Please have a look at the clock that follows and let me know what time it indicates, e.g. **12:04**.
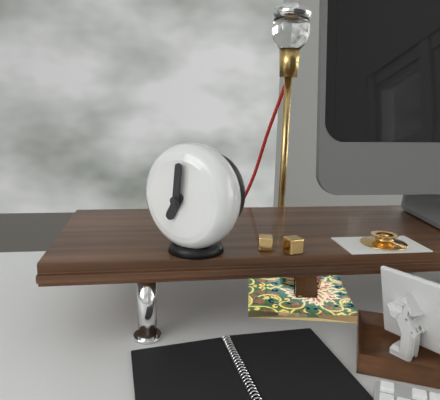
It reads **7:01**
